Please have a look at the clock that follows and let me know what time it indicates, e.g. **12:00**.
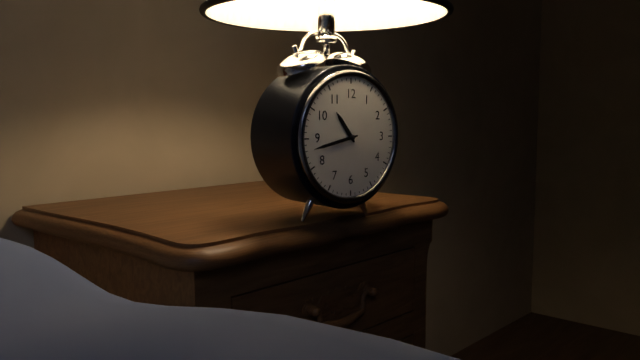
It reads **10:43**
